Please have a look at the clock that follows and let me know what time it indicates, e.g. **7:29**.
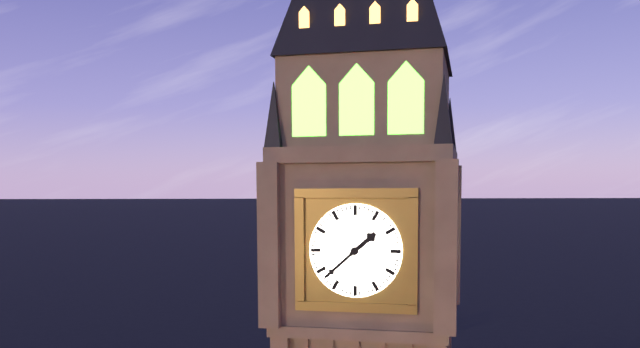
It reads **1:38**
